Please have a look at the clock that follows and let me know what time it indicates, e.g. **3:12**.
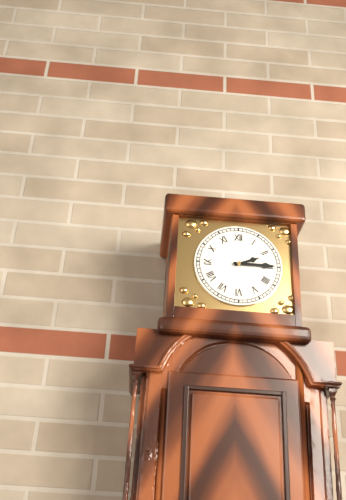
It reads **2:15**
